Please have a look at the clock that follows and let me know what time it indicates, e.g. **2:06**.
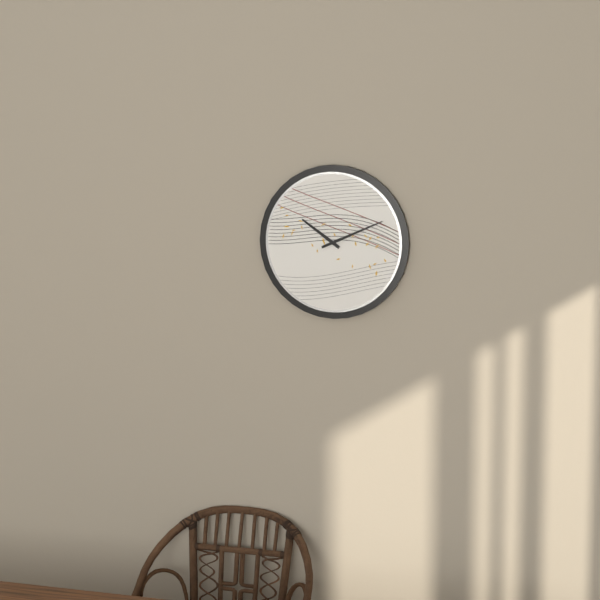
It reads **10:11**
